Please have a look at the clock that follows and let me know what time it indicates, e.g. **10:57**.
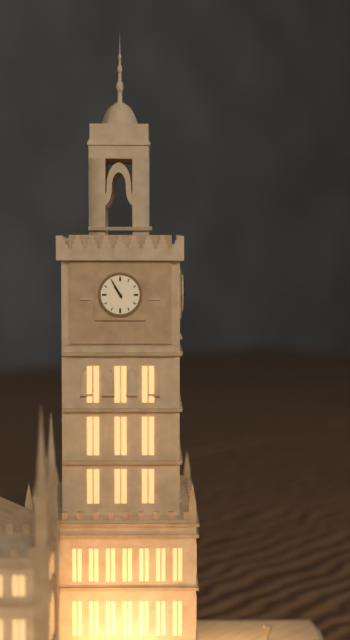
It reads **10:55**
